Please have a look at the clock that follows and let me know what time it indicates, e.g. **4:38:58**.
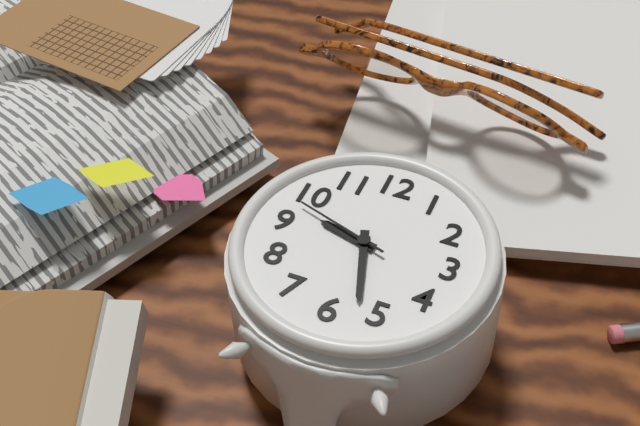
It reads **9:27:48**
